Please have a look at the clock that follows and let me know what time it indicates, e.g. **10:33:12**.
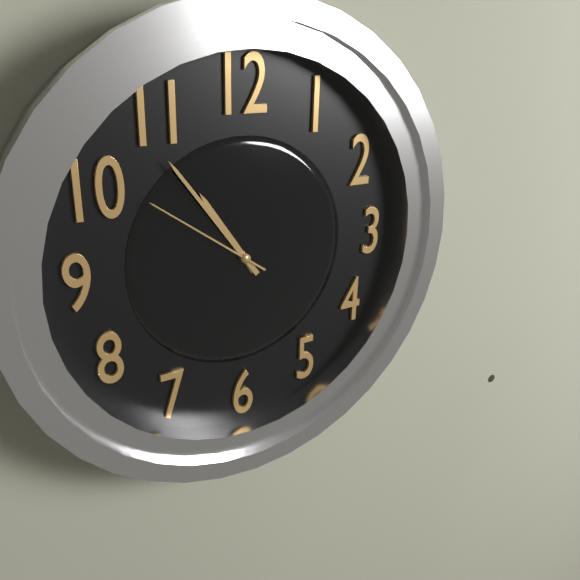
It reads **10:54:51**
